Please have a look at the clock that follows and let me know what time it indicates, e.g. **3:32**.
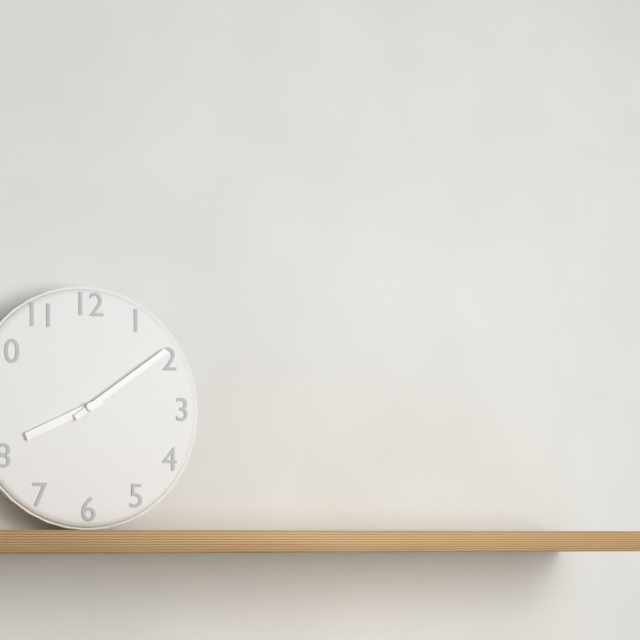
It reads **8:09**
